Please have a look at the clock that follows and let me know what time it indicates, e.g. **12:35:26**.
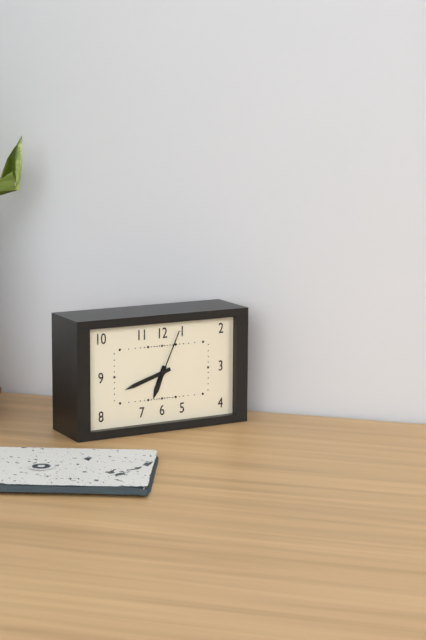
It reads **6:42:04**
